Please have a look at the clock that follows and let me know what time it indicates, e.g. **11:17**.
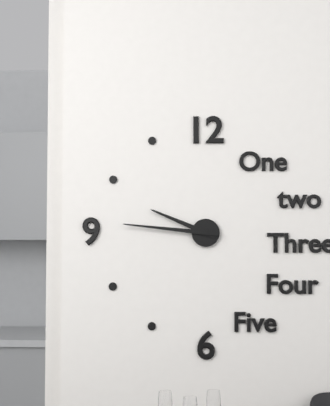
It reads **9:46**
